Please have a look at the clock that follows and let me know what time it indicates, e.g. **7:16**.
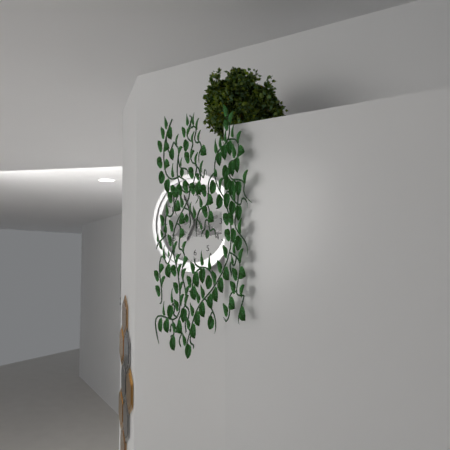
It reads **6:56**
